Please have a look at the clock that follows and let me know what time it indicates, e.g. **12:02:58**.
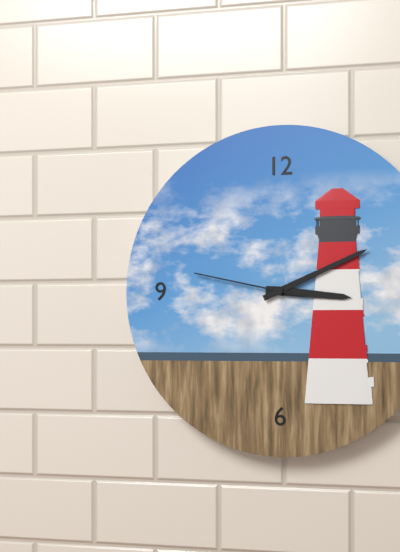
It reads **3:11:47**
